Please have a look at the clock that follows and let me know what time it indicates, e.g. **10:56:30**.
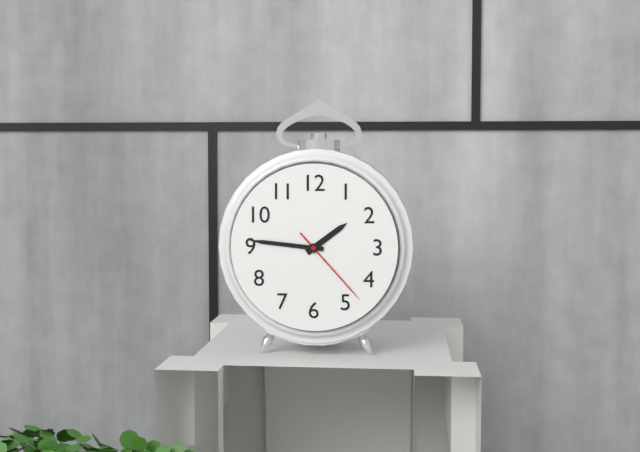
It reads **1:46:23**
